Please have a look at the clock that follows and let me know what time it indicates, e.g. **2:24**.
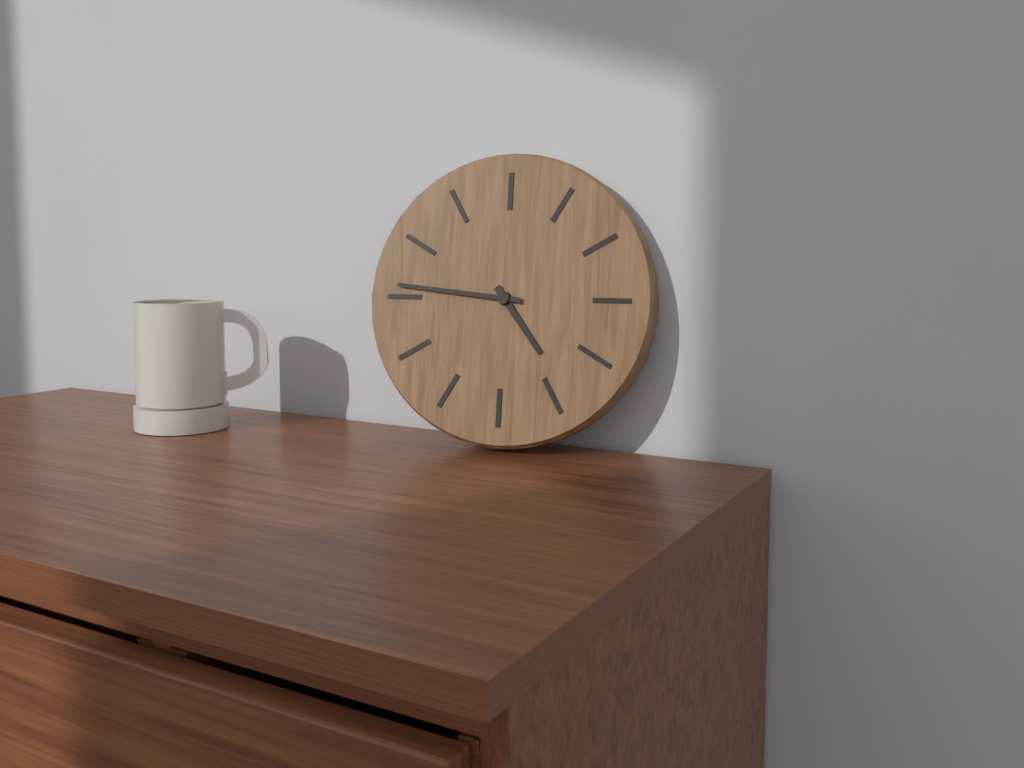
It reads **4:46**
